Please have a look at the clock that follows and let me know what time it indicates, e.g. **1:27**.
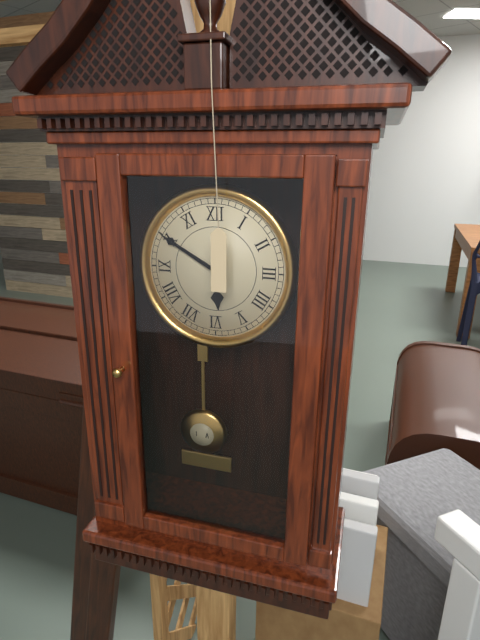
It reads **5:50**
